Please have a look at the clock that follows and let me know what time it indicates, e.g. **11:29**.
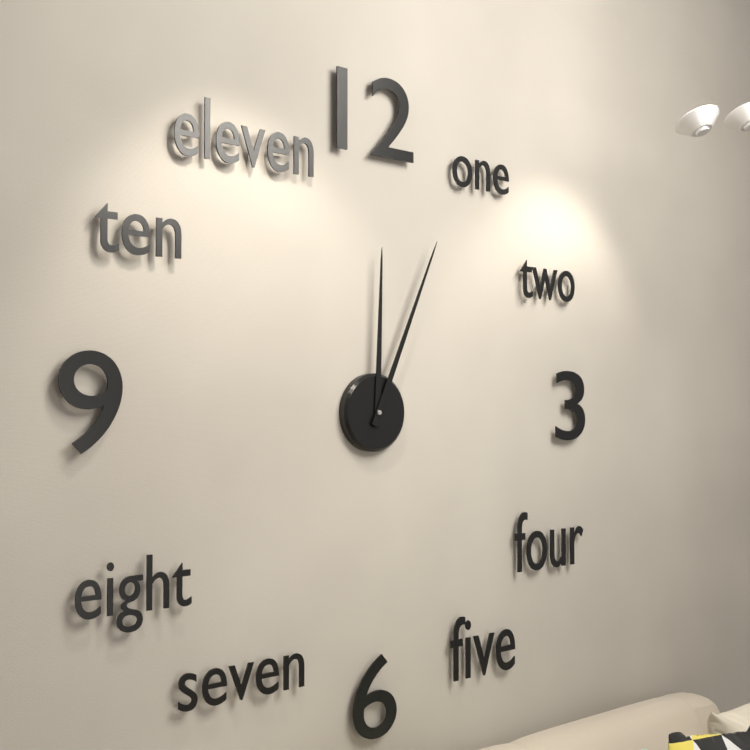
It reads **12:04**
